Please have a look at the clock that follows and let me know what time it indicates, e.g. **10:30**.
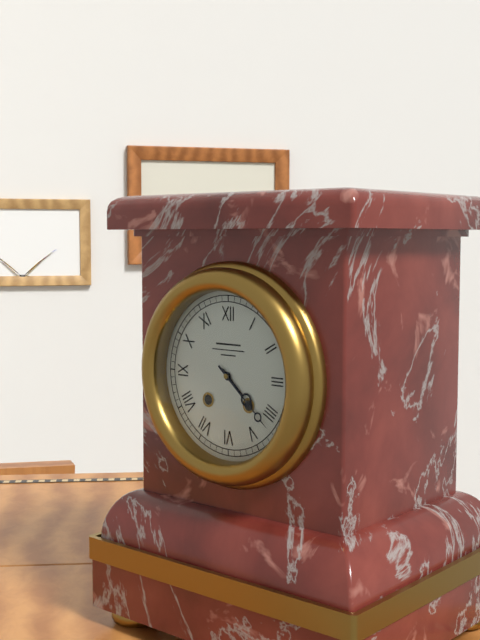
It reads **4:22**
